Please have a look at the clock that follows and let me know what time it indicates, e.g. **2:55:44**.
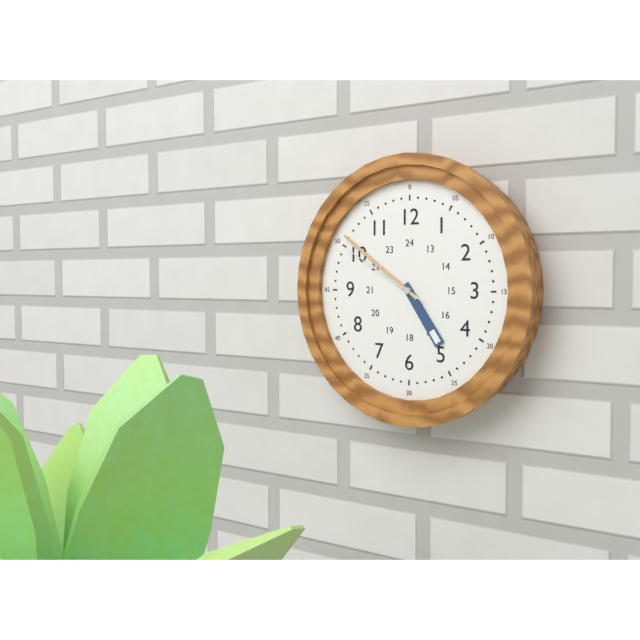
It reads **4:51:50**
